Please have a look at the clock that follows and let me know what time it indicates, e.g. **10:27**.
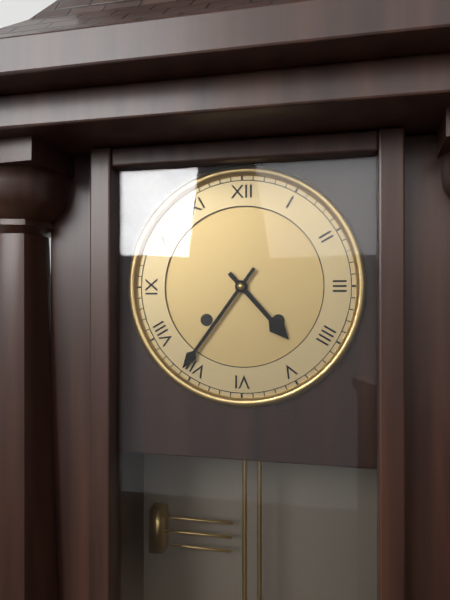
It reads **4:36**
